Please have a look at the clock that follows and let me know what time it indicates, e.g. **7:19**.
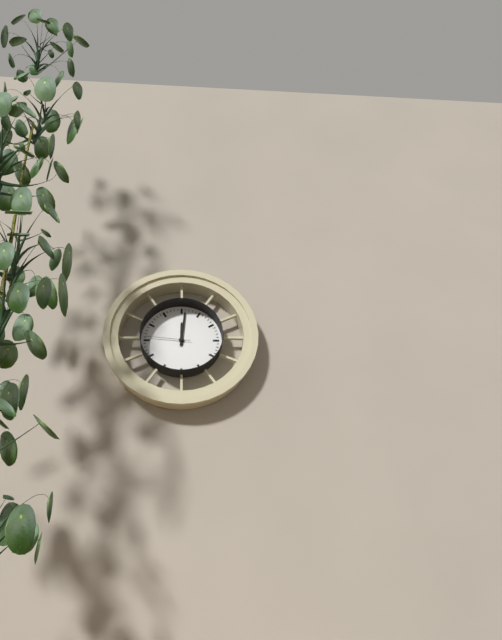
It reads **12:01**
